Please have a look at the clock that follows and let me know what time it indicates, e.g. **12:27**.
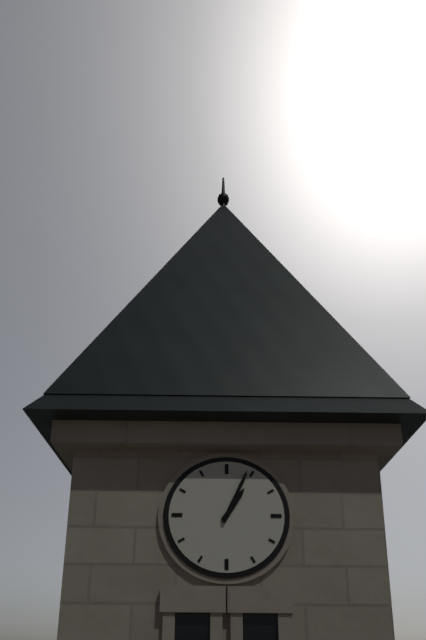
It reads **1:04**
